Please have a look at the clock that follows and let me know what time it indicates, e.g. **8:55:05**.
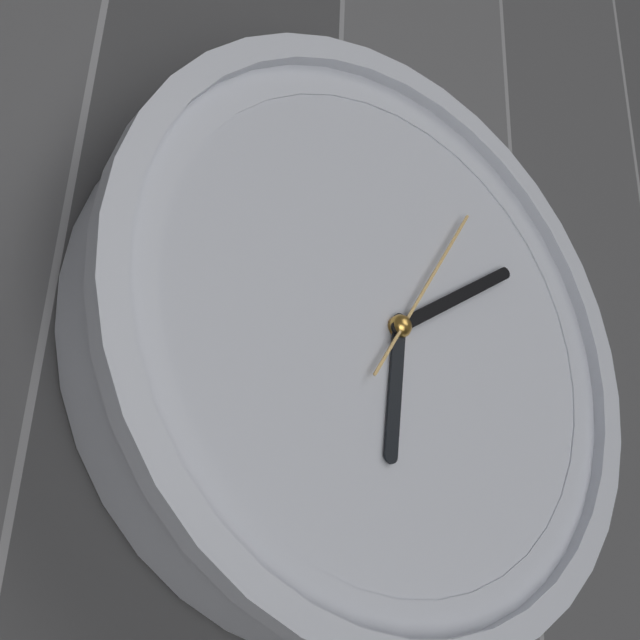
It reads **6:09:05**
